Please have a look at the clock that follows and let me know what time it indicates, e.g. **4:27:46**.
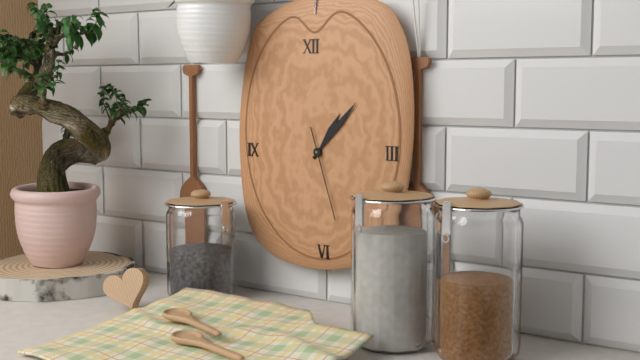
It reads **1:07:27**
